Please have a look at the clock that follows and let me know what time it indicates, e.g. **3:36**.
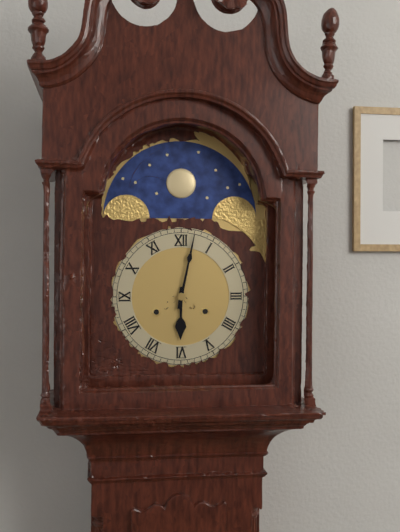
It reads **6:02**
